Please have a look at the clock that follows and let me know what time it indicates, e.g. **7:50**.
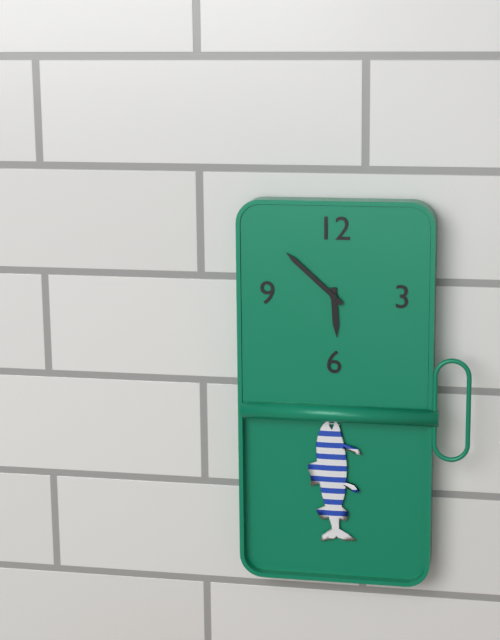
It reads **5:52**
